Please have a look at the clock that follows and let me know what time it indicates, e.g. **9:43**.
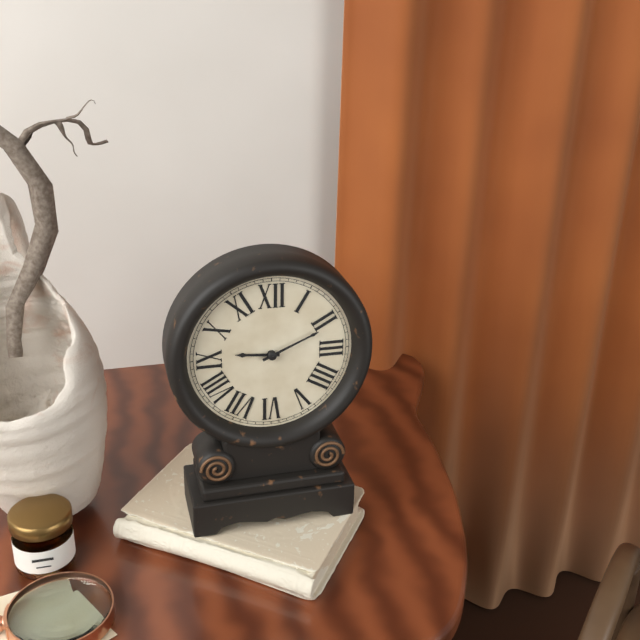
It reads **9:11**
